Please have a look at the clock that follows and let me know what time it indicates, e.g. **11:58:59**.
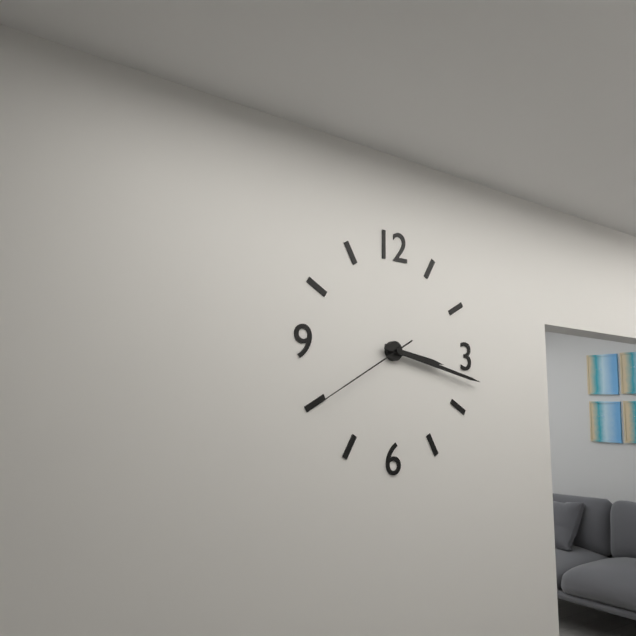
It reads **3:17:40**
